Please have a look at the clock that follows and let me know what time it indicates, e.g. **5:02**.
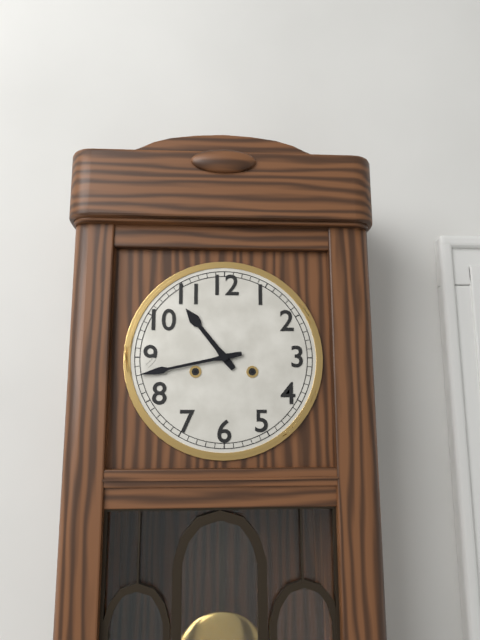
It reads **10:43**
